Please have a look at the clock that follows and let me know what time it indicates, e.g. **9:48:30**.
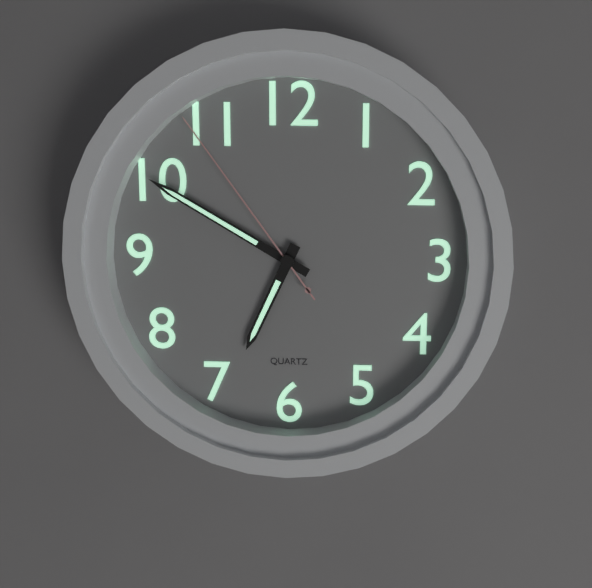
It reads **6:50:54**
